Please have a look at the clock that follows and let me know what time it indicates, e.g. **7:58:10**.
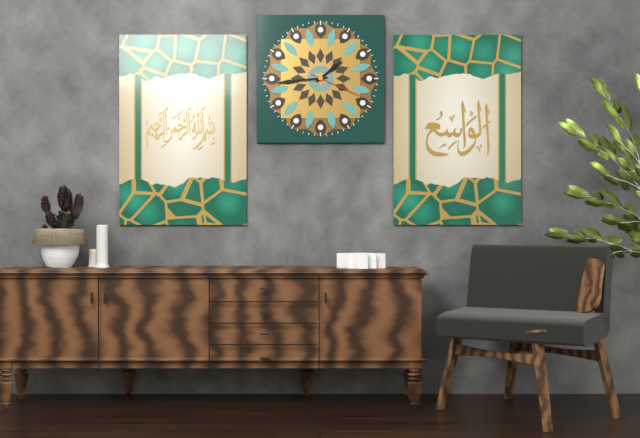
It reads **1:44:19**
